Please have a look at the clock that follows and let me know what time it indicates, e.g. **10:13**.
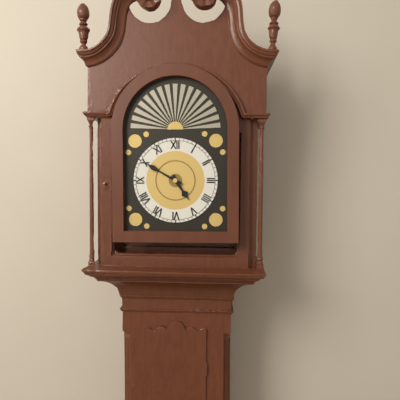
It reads **4:50**
